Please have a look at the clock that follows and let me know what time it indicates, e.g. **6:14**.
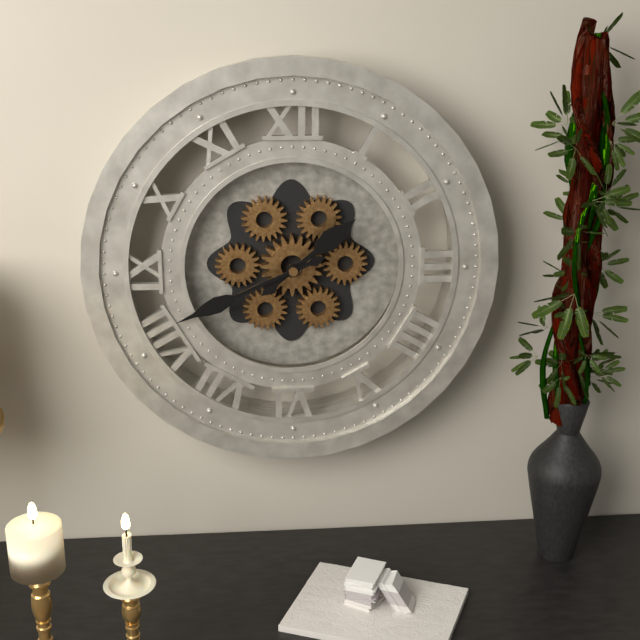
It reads **1:41**
